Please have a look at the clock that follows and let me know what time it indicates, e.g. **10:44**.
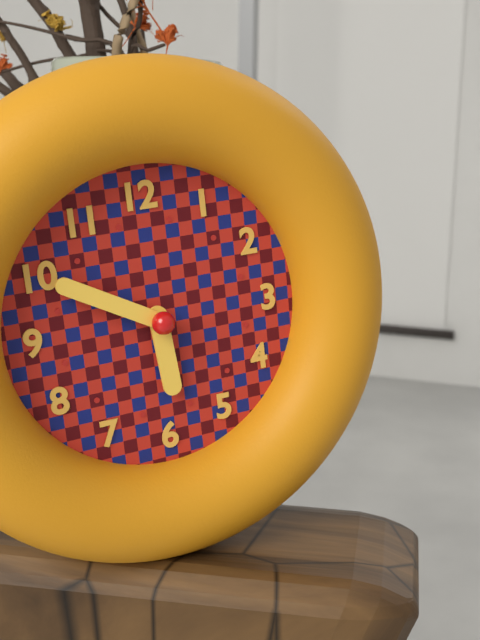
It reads **5:50**
